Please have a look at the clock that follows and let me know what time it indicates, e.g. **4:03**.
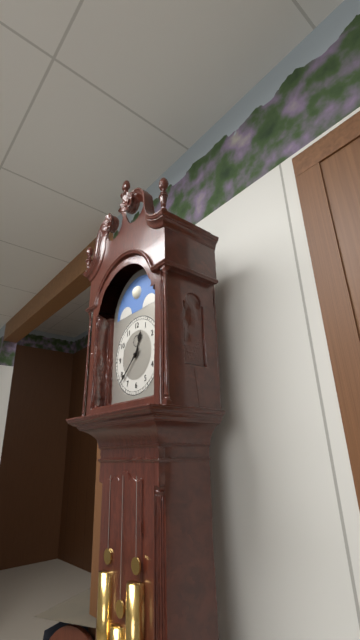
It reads **12:38**
